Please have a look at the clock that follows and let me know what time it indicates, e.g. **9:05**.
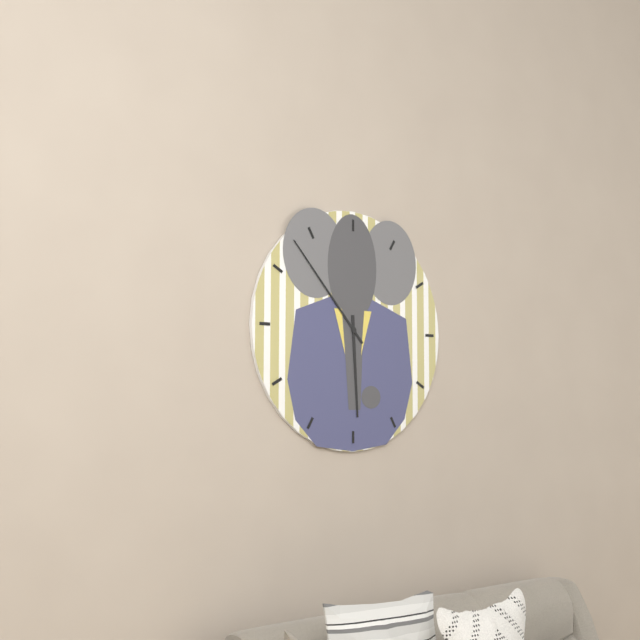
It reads **5:53**
